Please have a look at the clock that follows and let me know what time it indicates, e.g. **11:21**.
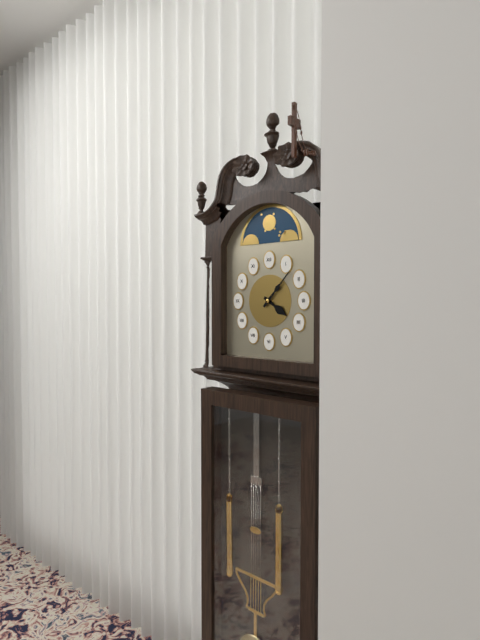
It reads **4:07**
